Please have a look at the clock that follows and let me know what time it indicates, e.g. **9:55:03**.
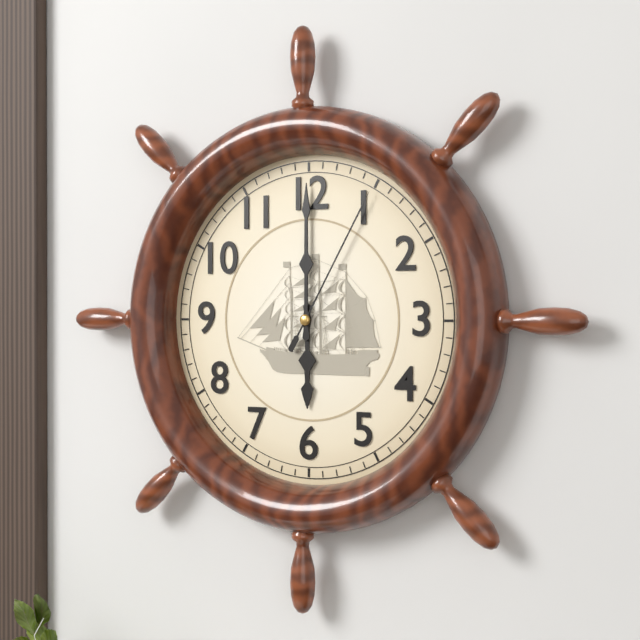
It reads **6:00:05**
